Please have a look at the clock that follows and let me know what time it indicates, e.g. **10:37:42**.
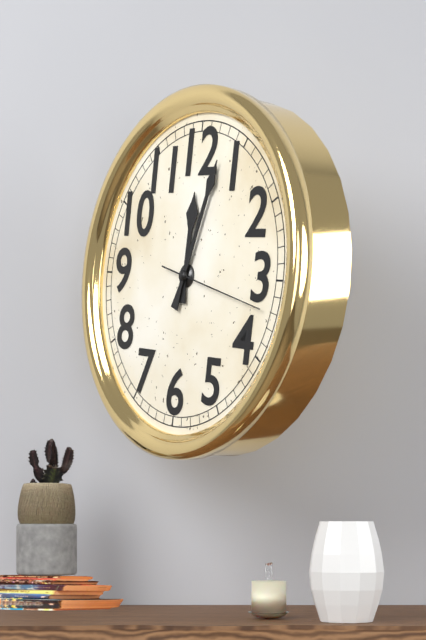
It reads **12:03:17**
